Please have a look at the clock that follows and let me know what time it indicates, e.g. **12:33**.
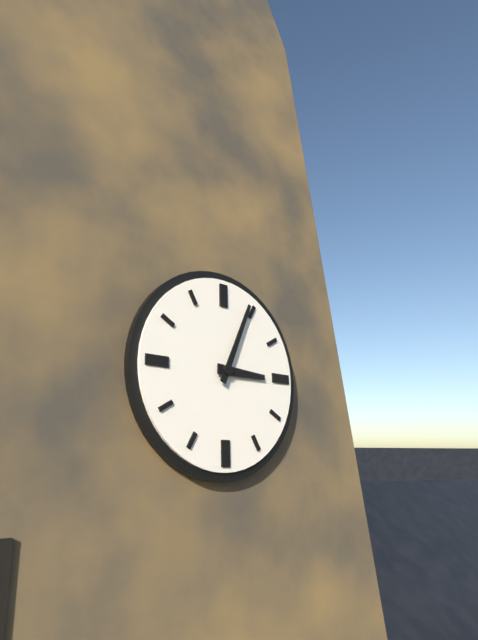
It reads **3:04**
